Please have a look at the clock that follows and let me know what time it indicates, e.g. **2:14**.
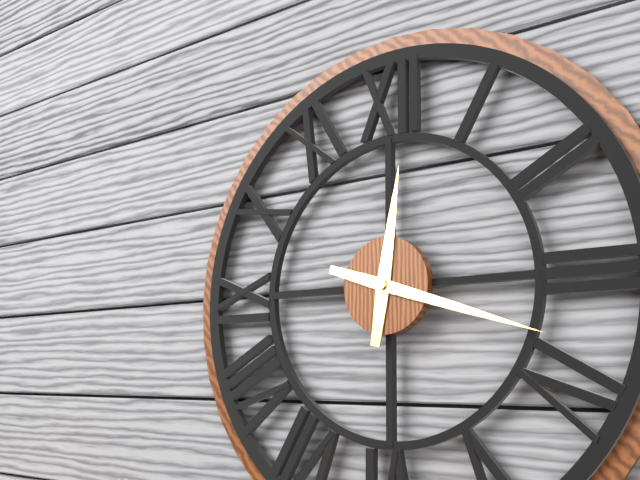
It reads **12:18**
